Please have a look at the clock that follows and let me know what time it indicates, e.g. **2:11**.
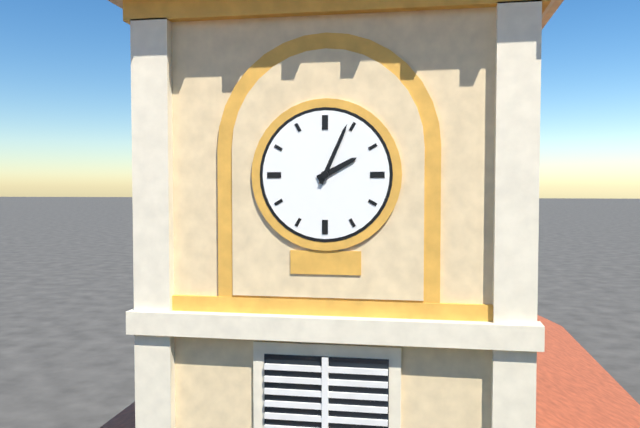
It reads **2:04**
